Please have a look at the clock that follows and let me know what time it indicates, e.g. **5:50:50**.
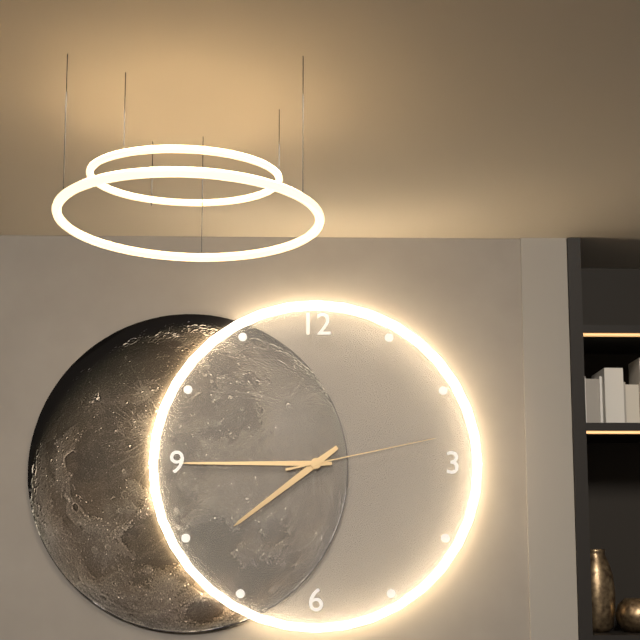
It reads **7:45:13**
